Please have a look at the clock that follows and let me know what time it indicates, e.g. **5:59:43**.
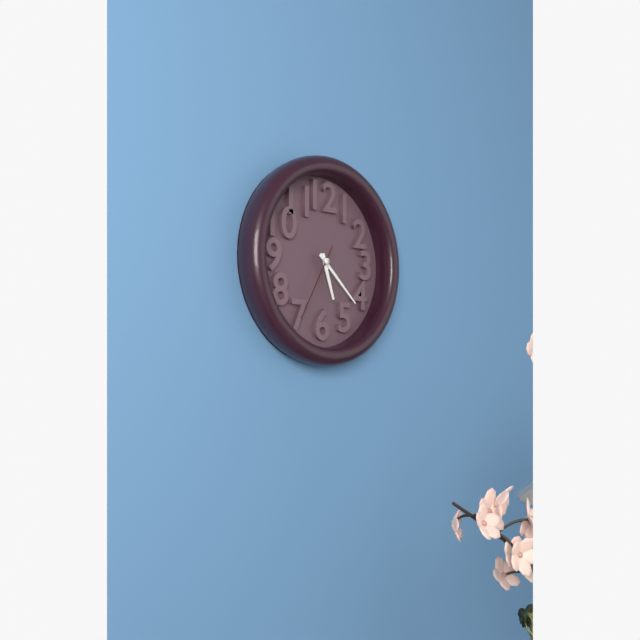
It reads **5:22:35**
